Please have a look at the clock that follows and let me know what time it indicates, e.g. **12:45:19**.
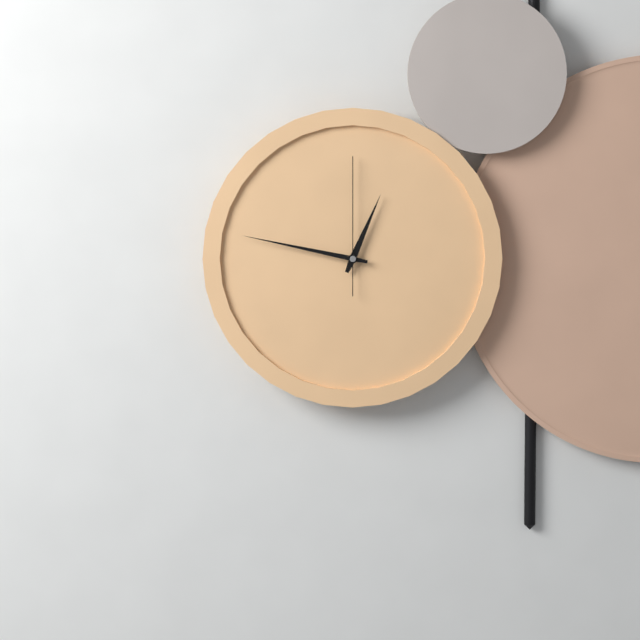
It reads **12:47:00**
